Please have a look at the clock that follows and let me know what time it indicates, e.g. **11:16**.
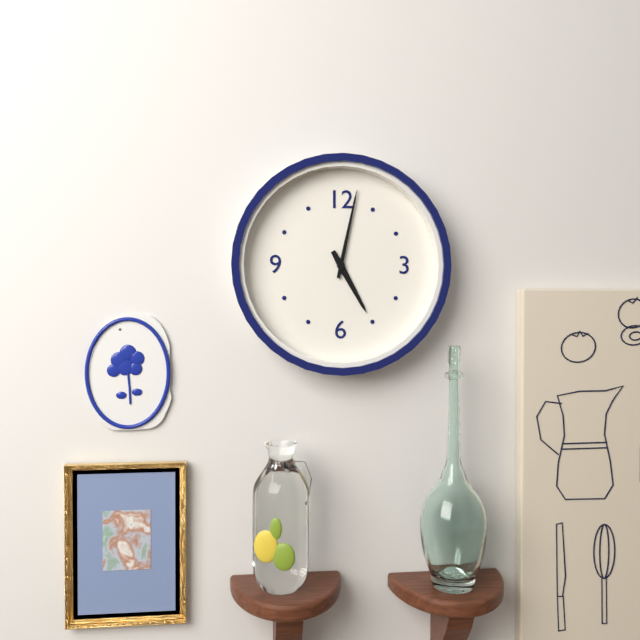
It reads **5:02**
